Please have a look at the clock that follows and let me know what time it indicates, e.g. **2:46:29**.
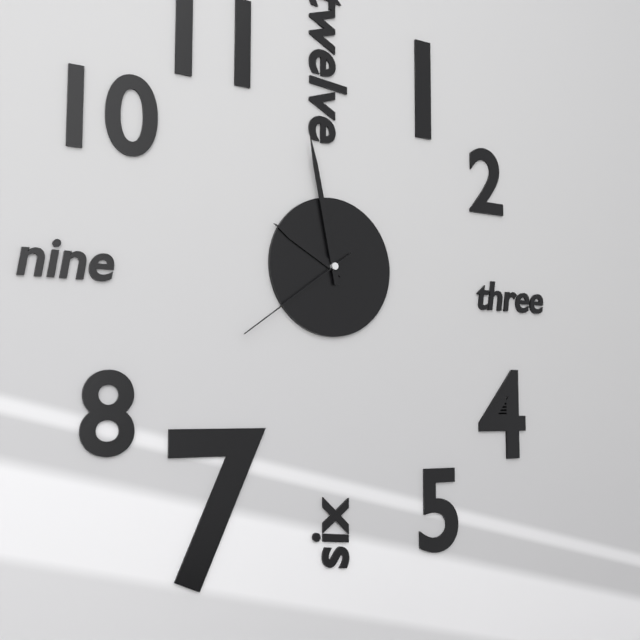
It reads **9:58:39**
